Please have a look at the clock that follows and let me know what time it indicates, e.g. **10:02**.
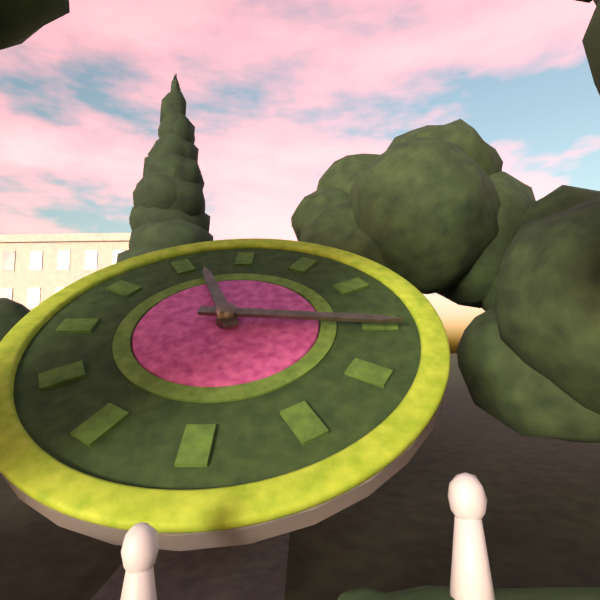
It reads **11:16**
